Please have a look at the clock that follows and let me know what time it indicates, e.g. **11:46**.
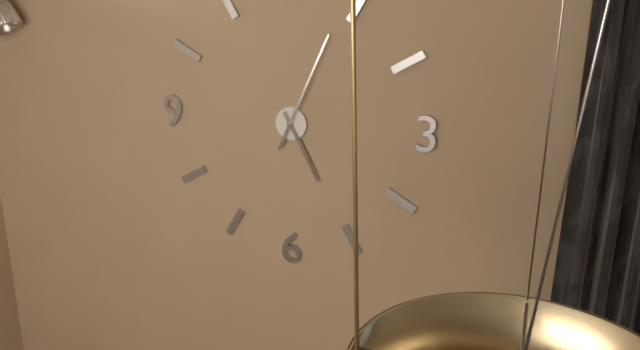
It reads **5:04**
